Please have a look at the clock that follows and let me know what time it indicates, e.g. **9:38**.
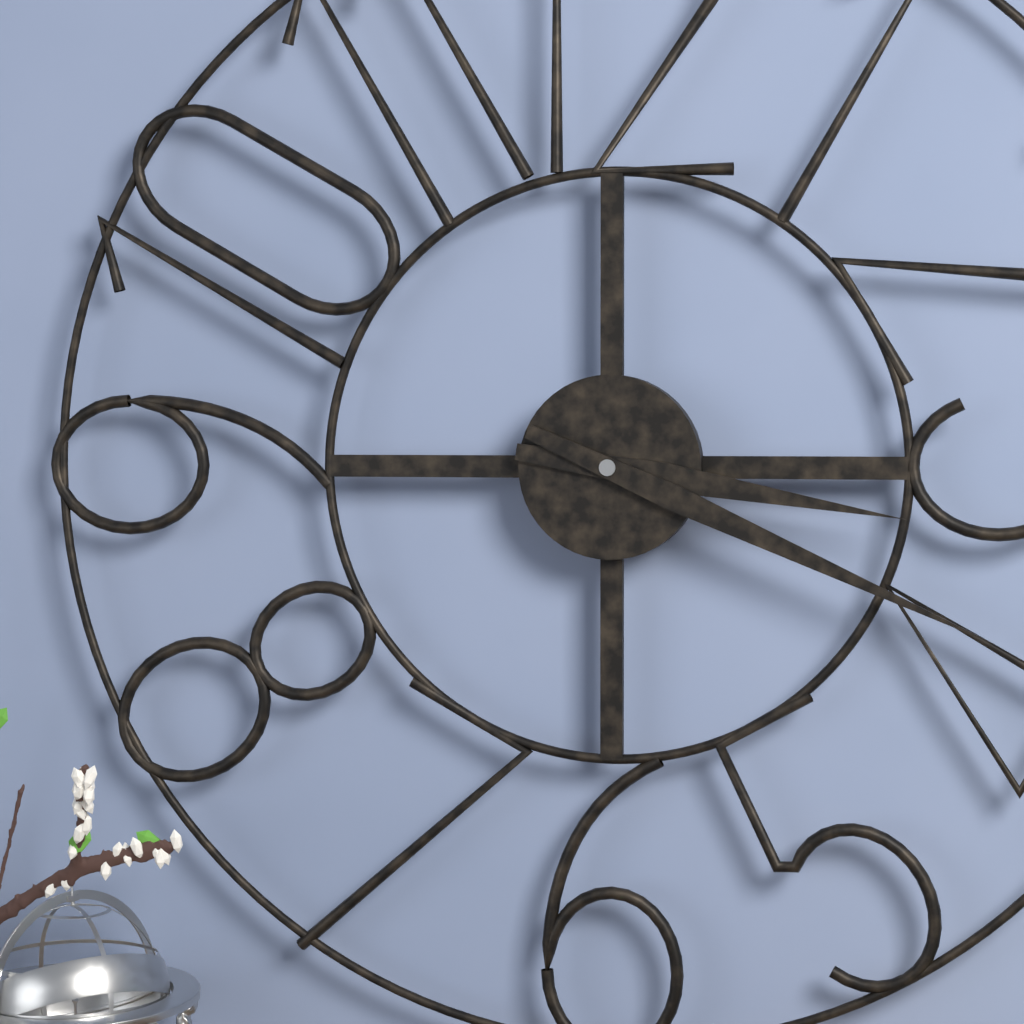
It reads **3:19**
